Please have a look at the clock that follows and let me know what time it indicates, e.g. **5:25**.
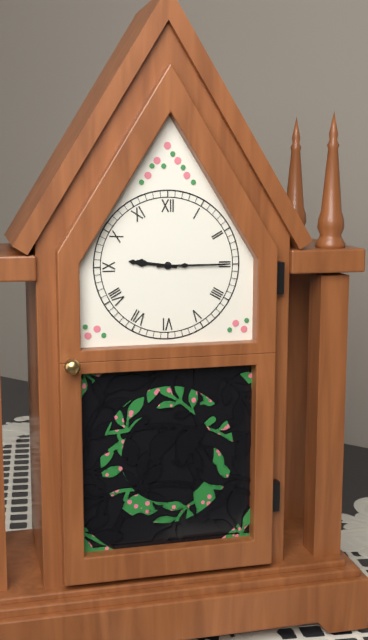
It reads **9:15**
